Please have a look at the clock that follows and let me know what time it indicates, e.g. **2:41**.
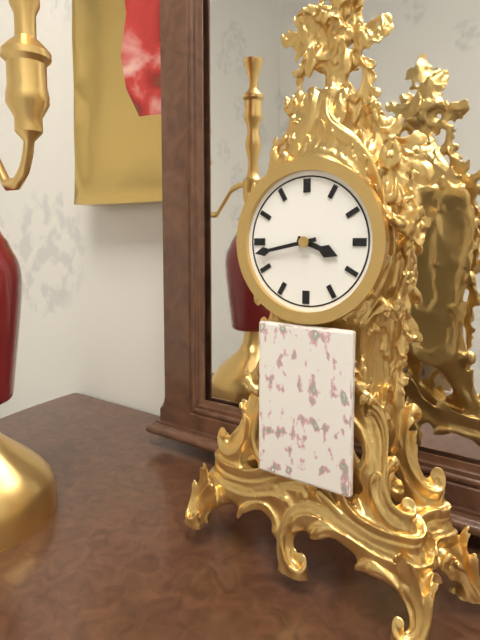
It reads **3:43**
